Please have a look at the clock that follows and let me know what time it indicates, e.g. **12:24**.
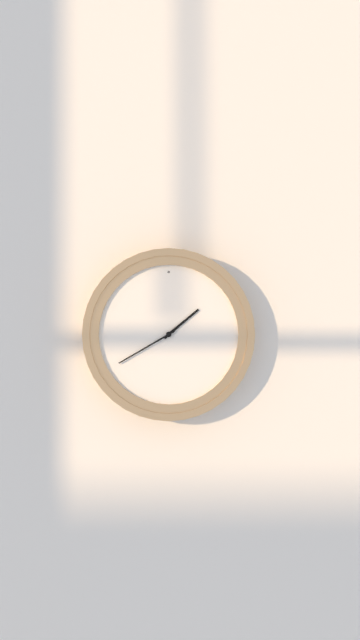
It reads **1:40**
